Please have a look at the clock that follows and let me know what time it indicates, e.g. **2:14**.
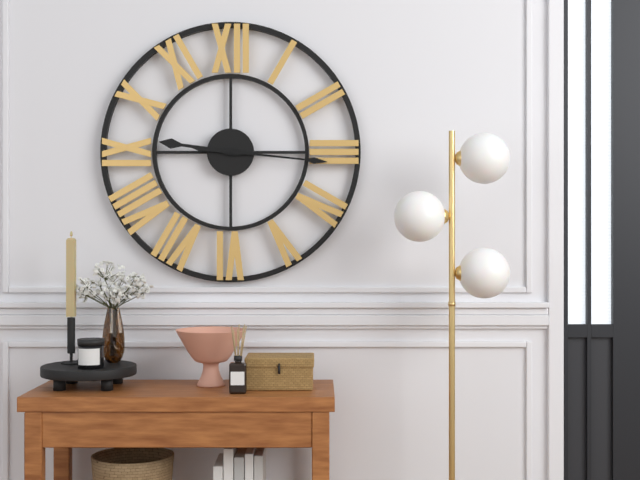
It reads **9:16**
